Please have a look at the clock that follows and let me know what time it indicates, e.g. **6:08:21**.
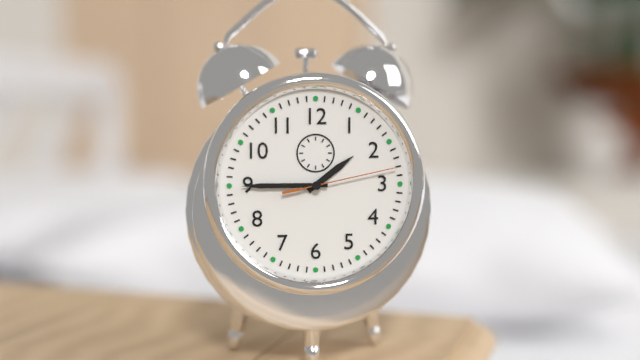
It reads **1:45:13**
